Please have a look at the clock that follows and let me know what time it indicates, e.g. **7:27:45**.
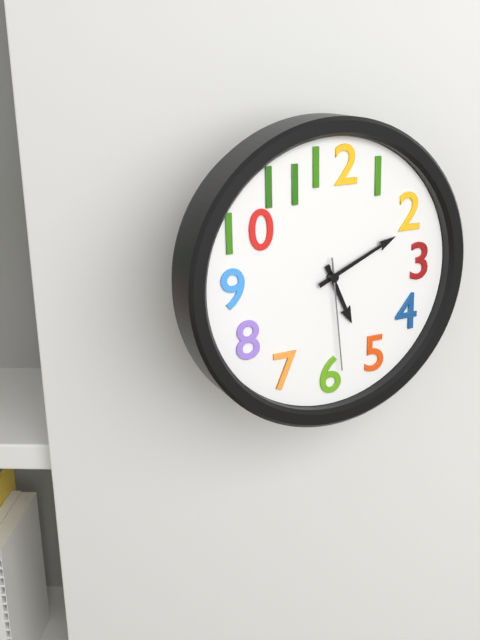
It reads **5:11:29**
